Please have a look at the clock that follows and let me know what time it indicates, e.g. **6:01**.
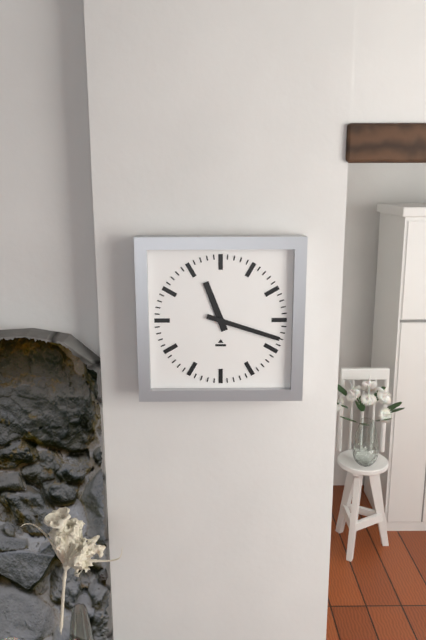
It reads **11:18**
